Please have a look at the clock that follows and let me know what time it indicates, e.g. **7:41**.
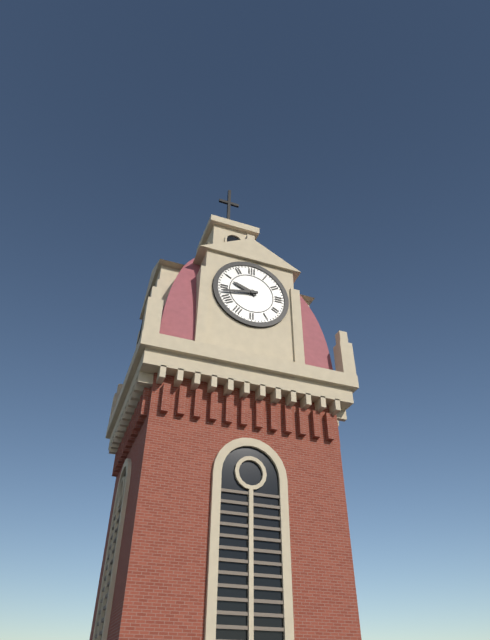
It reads **9:43**
